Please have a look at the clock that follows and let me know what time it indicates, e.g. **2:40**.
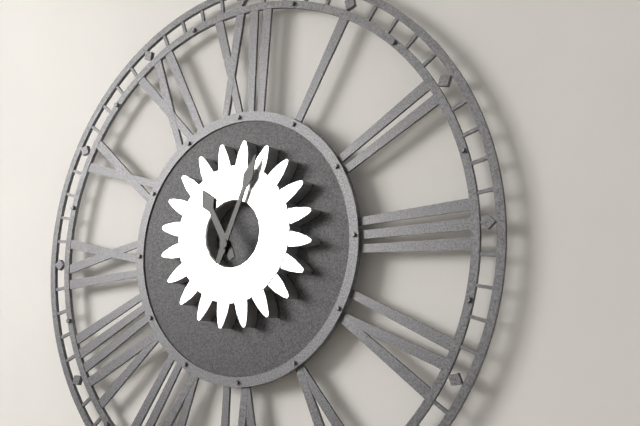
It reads **11:04**
